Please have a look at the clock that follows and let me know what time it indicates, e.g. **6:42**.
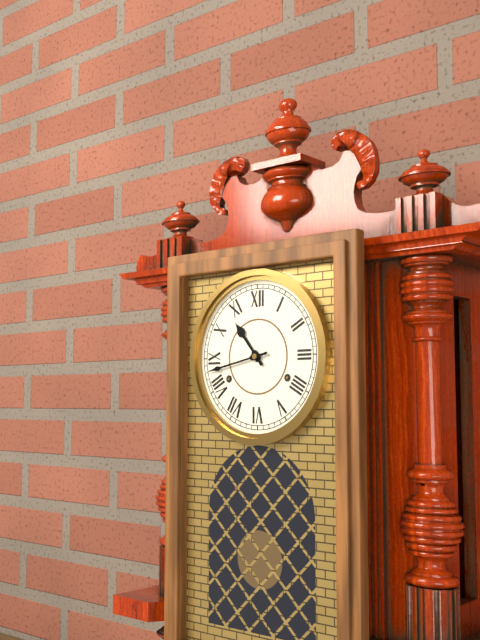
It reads **10:43**
